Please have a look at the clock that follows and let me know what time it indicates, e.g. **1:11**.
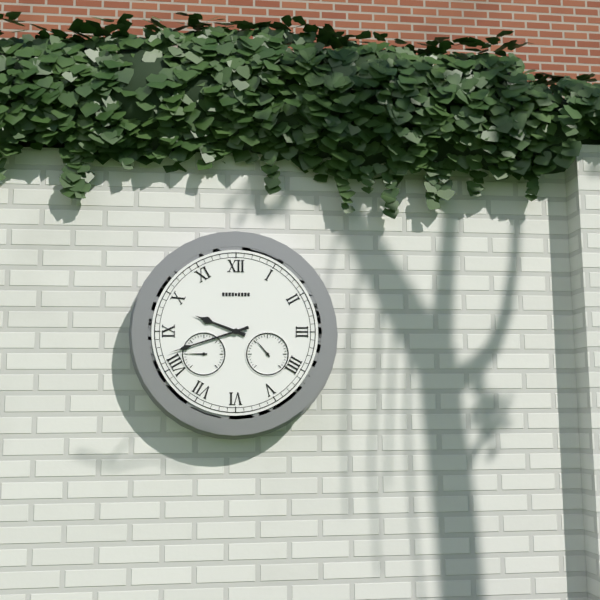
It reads **9:42**
